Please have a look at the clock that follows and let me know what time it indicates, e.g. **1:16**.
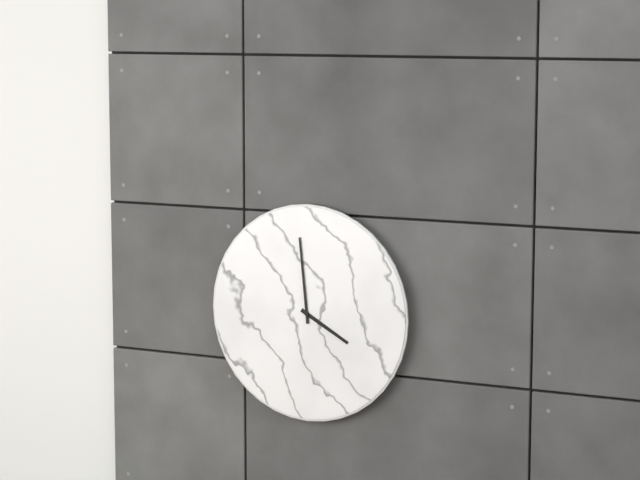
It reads **3:59**
